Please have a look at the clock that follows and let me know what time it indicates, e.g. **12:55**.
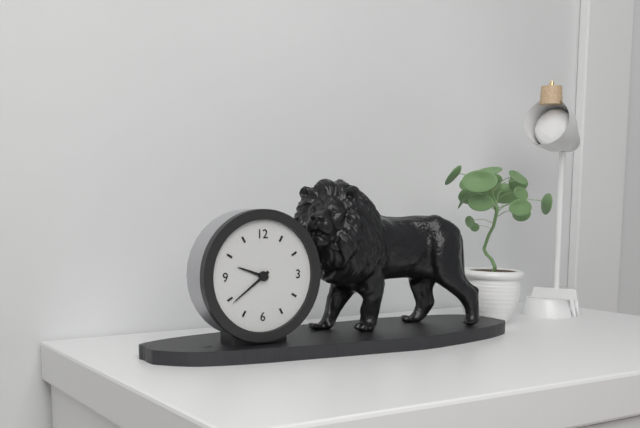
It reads **9:39**
